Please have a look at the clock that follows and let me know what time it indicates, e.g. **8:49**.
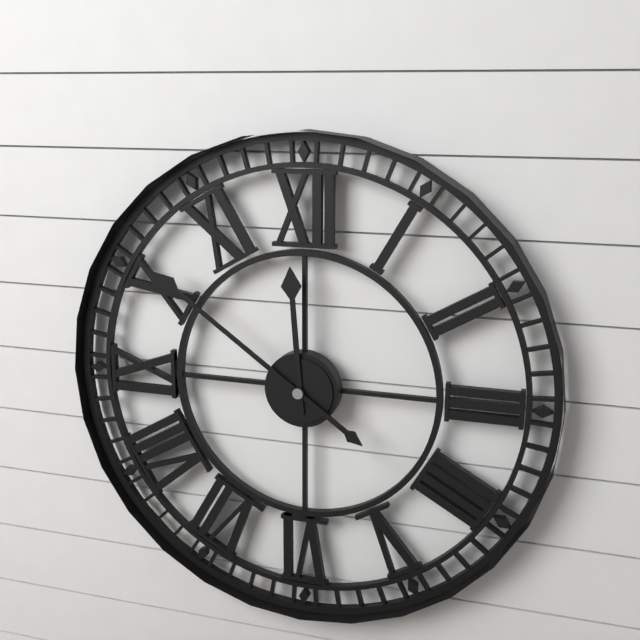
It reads **11:51**
